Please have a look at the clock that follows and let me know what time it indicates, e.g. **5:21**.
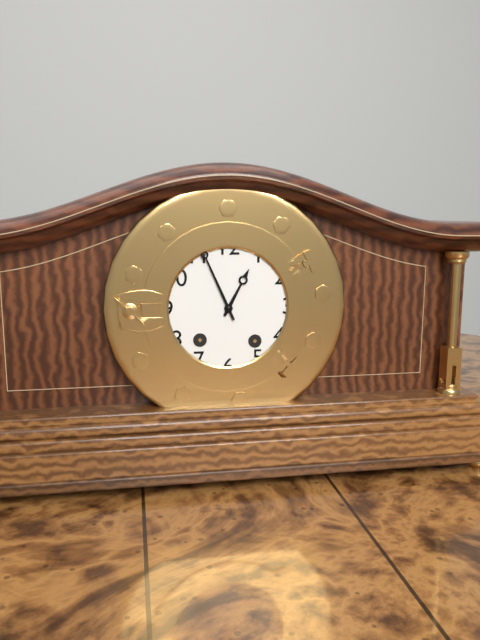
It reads **12:56**
